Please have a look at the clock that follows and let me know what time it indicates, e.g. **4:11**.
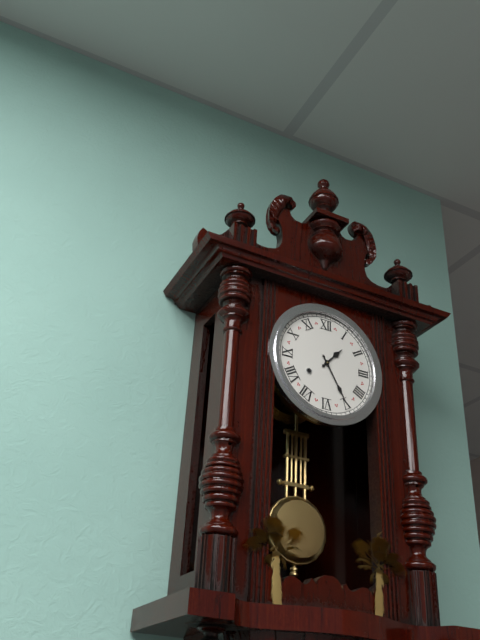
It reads **1:25**
